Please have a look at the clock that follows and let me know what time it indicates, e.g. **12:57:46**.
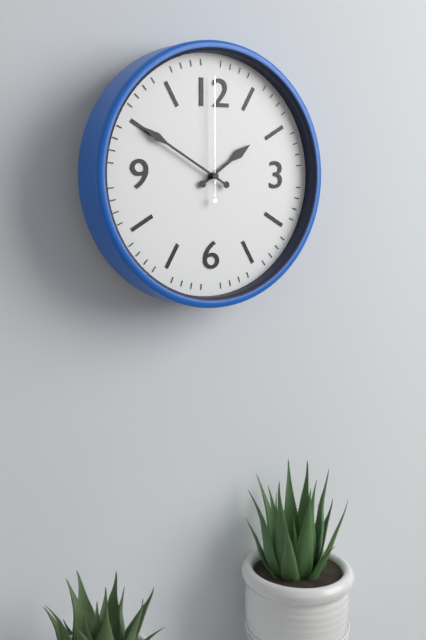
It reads **1:50:00**
